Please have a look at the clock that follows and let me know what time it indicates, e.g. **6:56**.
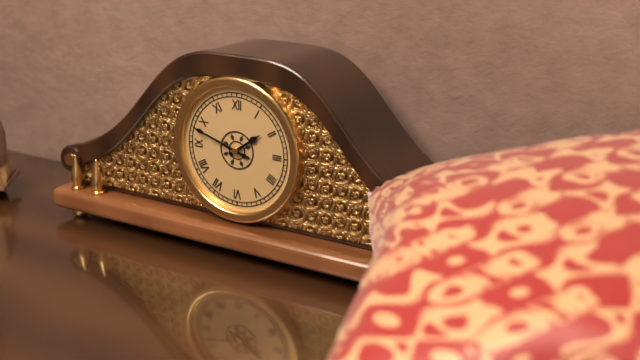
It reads **1:48**
